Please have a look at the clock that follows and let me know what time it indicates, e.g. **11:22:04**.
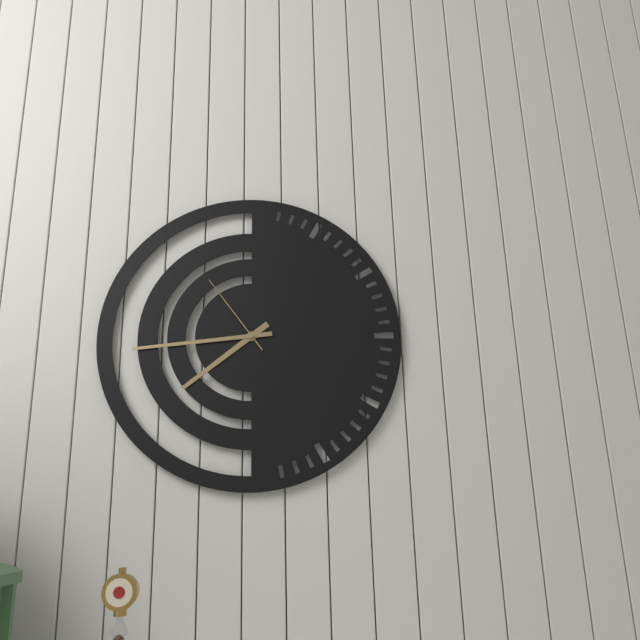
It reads **7:44:54**
